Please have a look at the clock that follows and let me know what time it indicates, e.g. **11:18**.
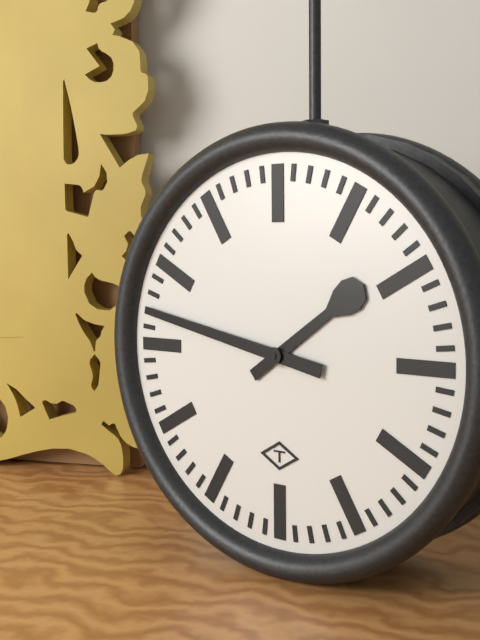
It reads **1:47**
